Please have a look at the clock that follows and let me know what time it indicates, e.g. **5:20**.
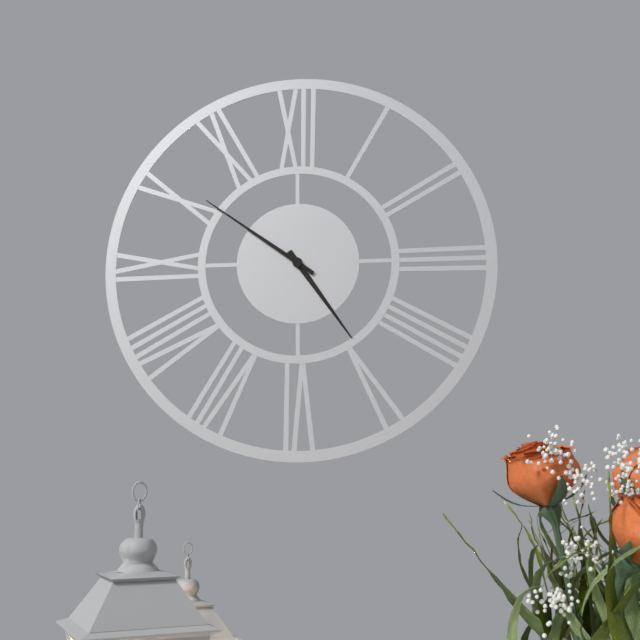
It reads **4:51**
